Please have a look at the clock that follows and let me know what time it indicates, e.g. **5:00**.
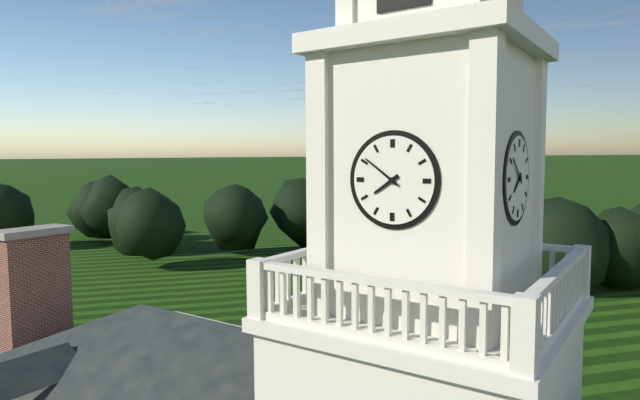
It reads **7:51**
